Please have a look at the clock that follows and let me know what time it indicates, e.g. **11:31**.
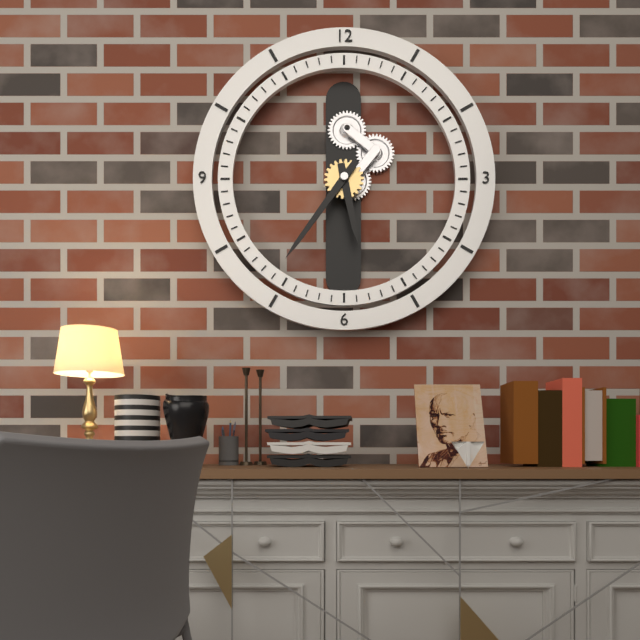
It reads **5:36**
